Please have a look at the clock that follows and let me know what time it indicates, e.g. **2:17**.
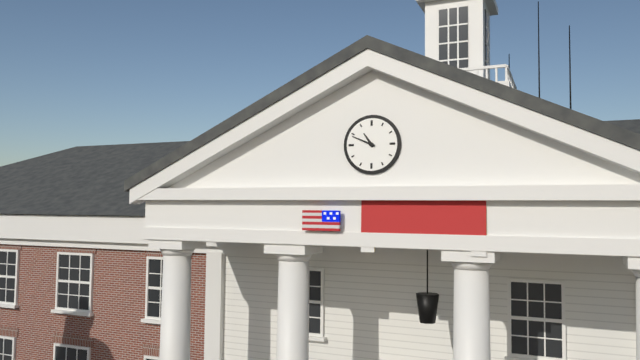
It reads **10:49**
